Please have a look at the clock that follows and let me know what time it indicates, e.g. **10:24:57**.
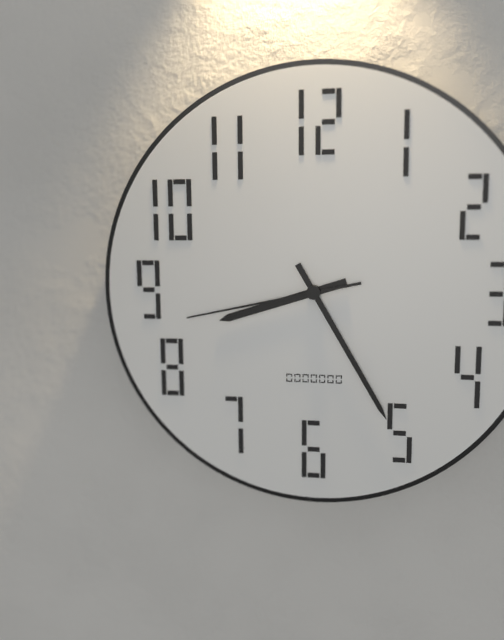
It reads **8:25:43**
